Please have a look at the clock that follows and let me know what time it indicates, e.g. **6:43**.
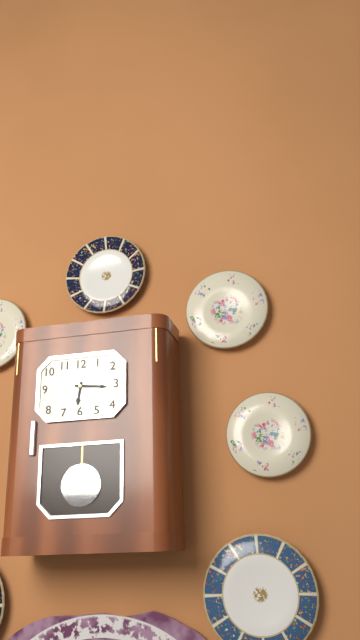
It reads **6:16**
